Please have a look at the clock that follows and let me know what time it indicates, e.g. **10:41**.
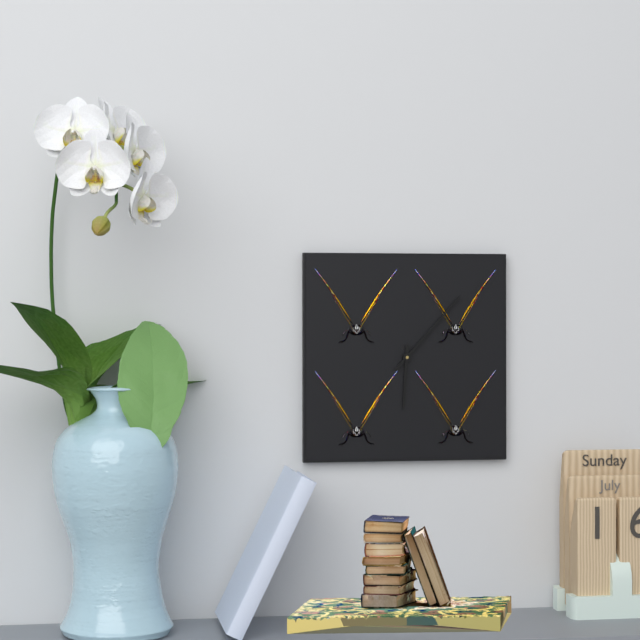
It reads **6:07**
